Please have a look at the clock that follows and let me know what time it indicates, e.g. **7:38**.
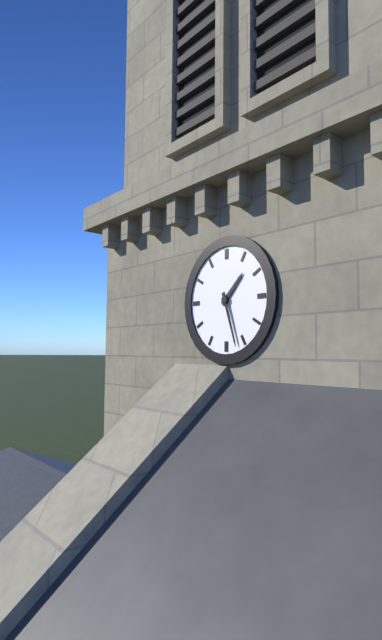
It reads **1:27**
